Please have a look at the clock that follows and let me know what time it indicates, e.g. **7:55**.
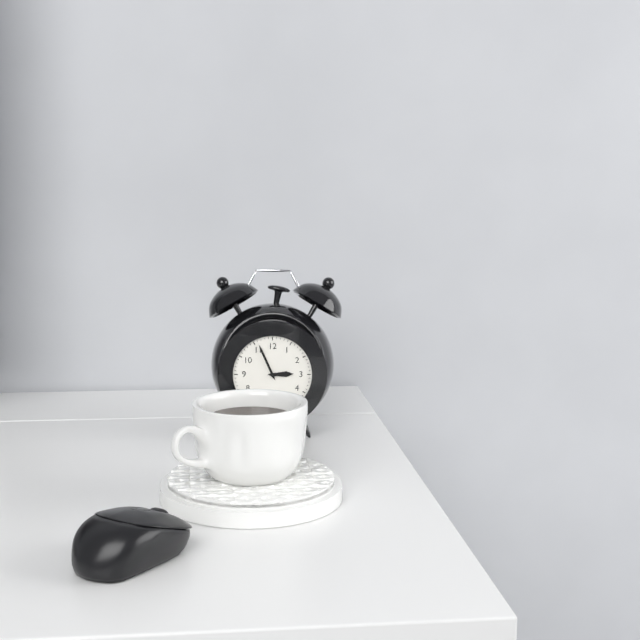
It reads **2:56**
